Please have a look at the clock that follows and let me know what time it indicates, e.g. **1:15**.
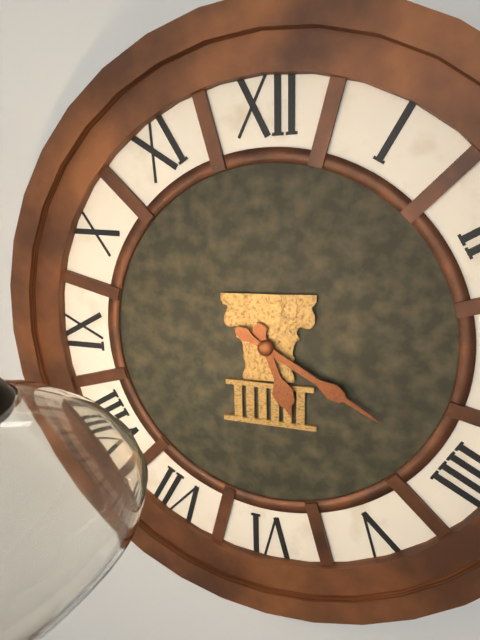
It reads **5:20**
